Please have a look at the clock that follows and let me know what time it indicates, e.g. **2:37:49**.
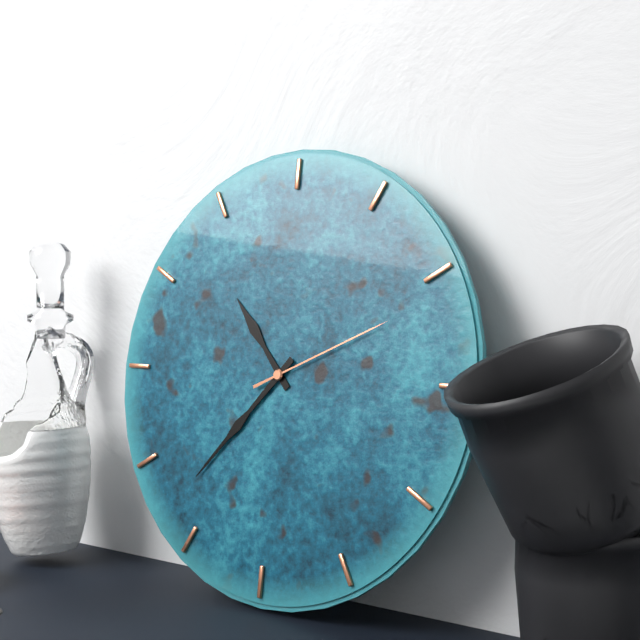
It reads **10:37:11**
